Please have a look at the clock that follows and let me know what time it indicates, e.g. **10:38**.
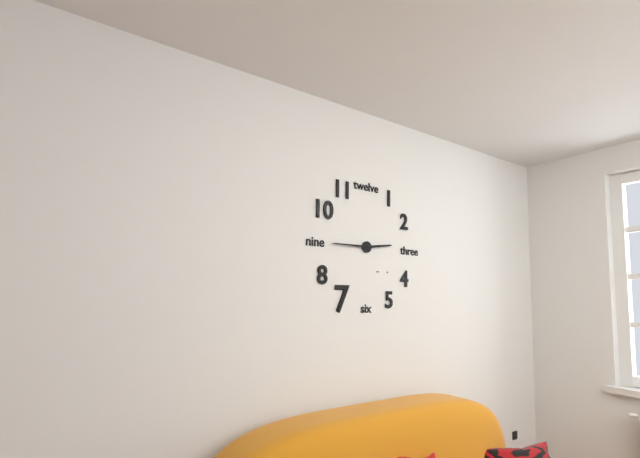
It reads **2:45**
